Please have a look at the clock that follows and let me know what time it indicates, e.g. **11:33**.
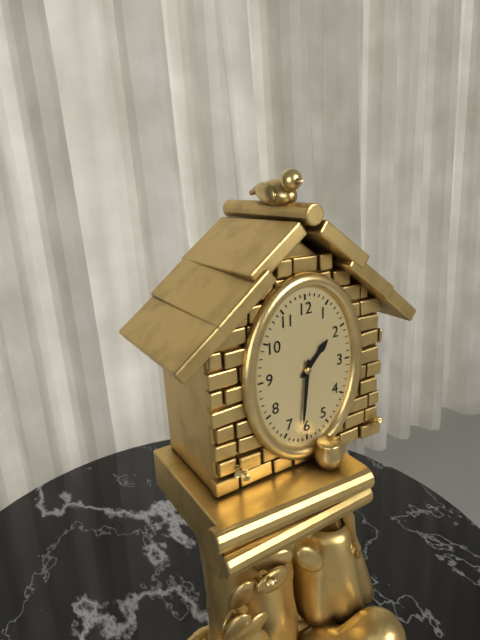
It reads **1:31**
